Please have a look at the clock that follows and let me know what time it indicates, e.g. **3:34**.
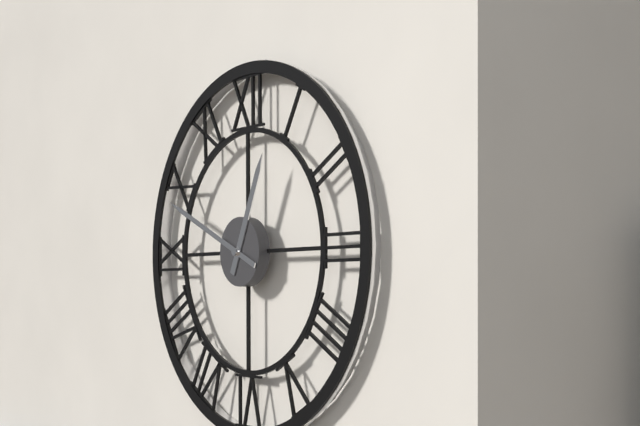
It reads **12:49**
